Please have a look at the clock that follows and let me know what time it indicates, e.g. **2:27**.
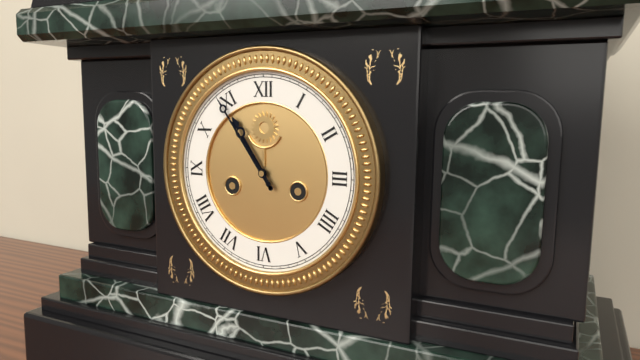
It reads **10:54**
